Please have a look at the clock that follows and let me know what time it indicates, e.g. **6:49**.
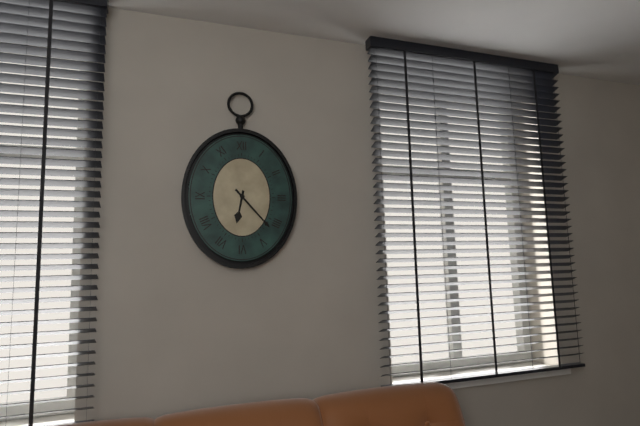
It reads **6:23**
